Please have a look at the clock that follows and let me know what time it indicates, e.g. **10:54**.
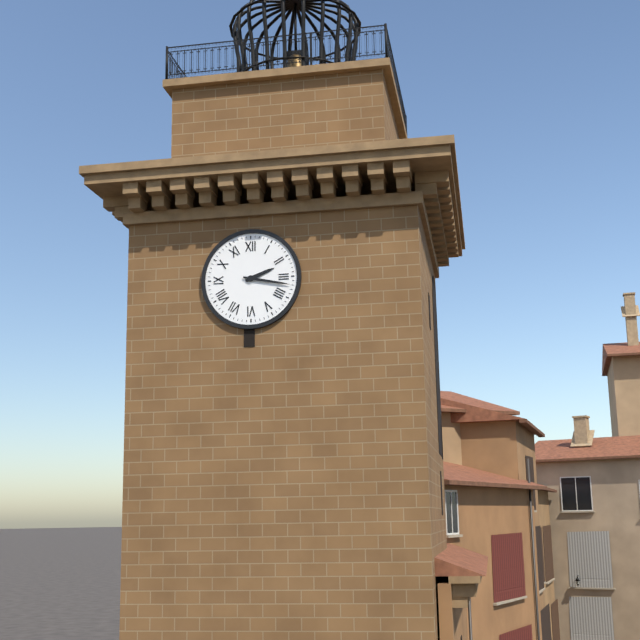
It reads **2:17**
